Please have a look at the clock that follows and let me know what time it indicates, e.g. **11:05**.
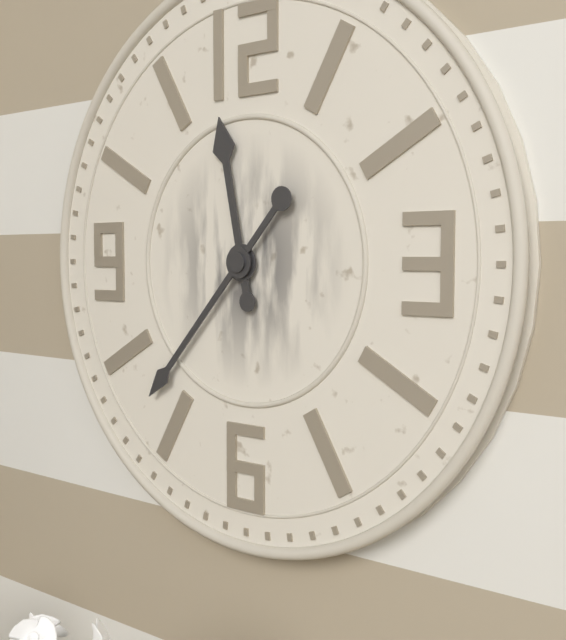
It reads **11:37**
